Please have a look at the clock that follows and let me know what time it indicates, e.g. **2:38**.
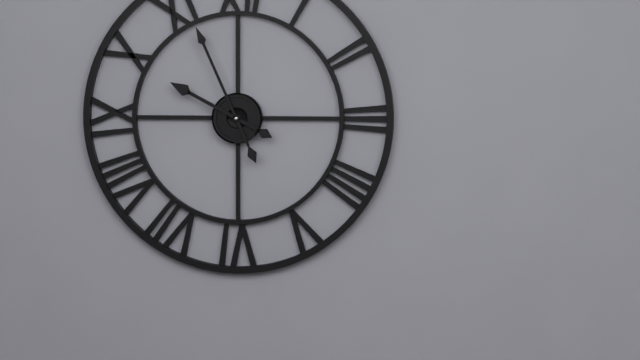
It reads **9:56**
